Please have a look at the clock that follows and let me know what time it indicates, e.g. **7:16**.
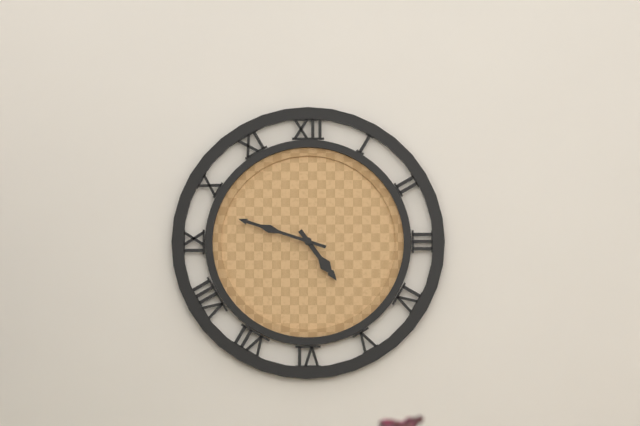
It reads **4:48**
